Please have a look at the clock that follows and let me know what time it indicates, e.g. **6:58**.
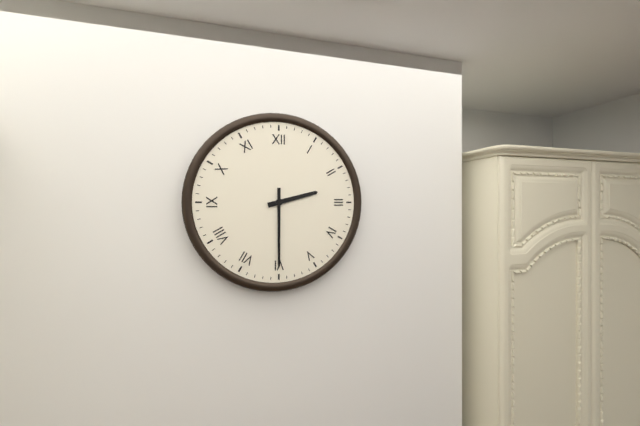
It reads **2:30**
